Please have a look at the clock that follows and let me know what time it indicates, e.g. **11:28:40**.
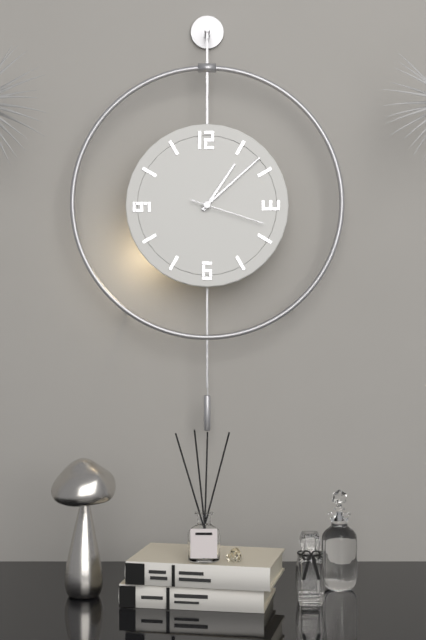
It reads **1:08:18**
